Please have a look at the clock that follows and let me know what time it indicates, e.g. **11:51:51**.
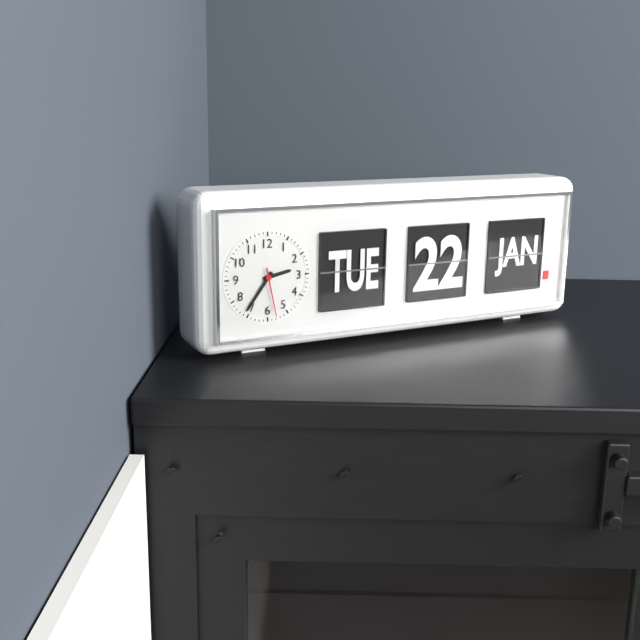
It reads **2:36:28**
